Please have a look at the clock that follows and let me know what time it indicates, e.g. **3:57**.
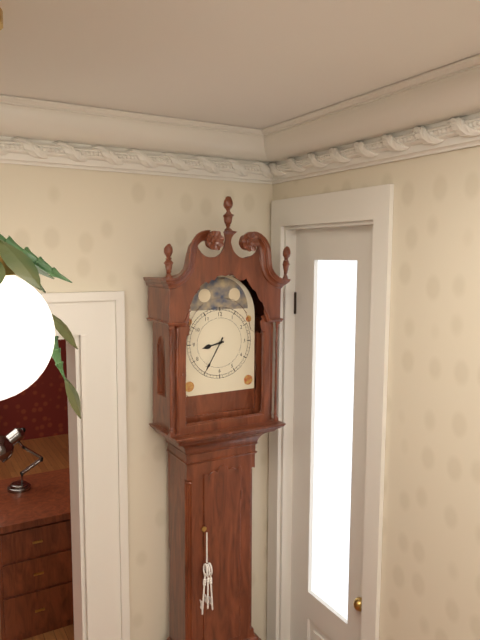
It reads **8:35**
